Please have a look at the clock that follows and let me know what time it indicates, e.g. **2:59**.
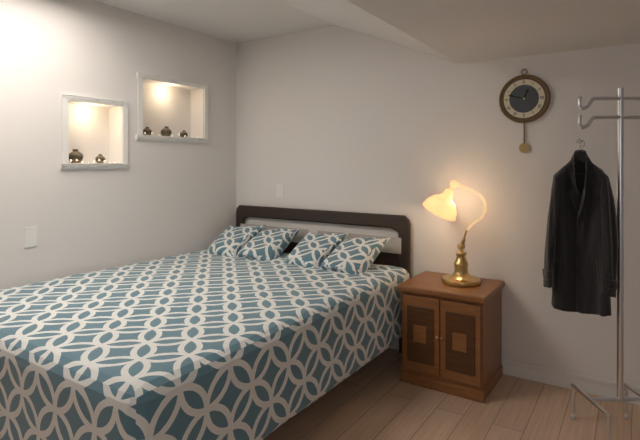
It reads **12:48**
